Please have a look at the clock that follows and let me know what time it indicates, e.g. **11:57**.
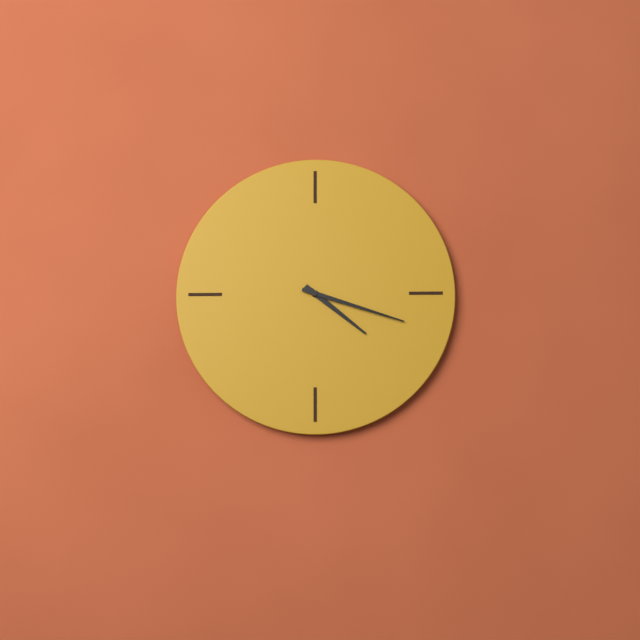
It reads **4:18**
